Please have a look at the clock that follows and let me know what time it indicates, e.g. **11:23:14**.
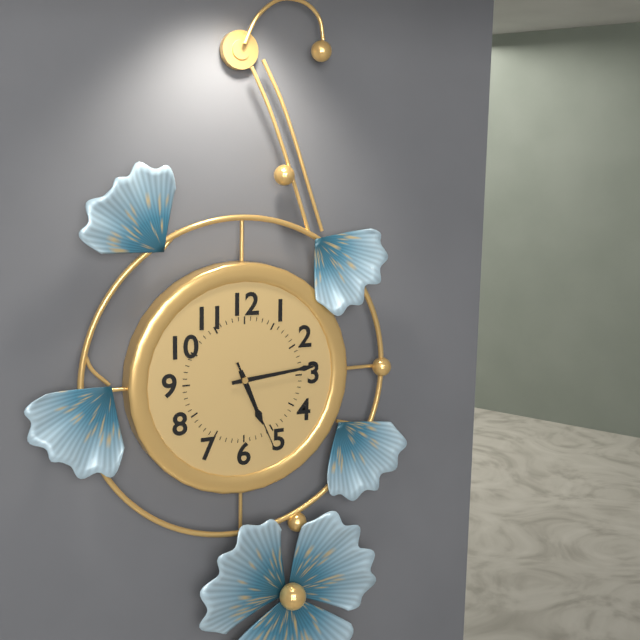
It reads **5:14:26**
